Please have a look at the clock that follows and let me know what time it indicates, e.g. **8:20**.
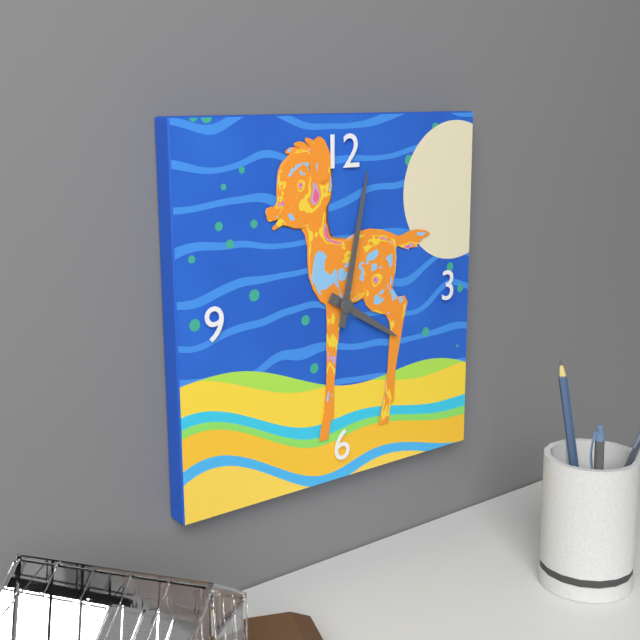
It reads **4:02**
